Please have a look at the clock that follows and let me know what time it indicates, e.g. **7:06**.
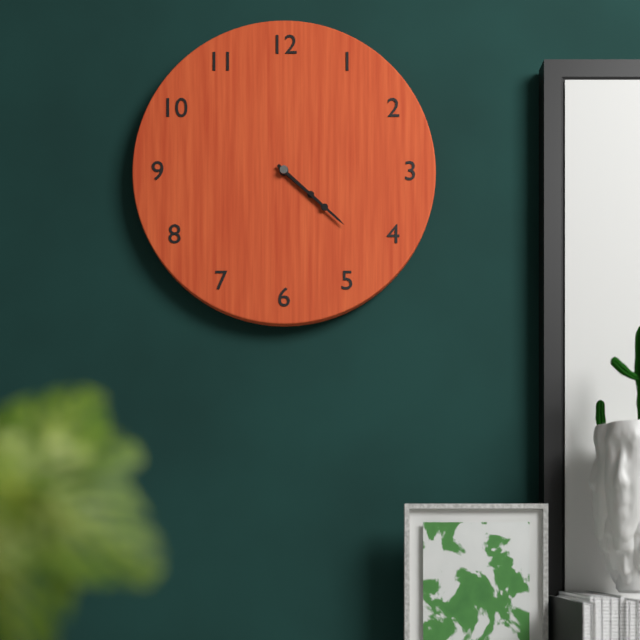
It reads **4:22**
